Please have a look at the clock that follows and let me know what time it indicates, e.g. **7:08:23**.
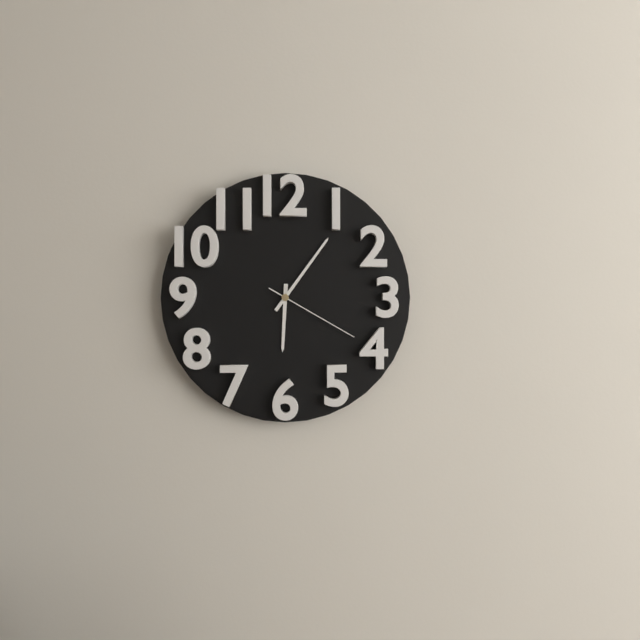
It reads **6:06:20**
